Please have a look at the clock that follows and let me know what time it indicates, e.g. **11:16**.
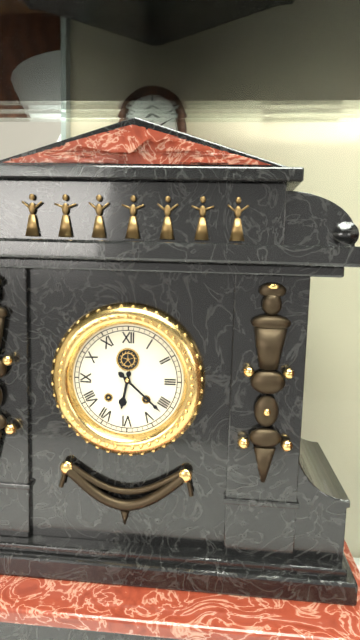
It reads **6:22**
